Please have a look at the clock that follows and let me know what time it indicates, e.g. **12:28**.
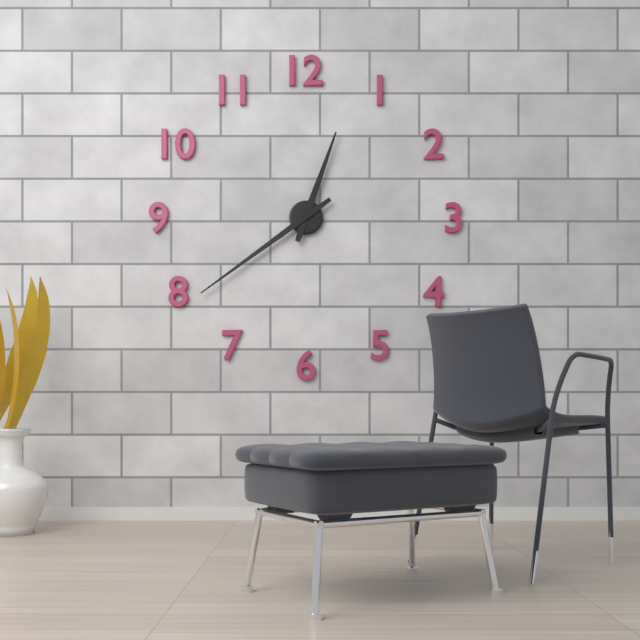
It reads **12:39**
